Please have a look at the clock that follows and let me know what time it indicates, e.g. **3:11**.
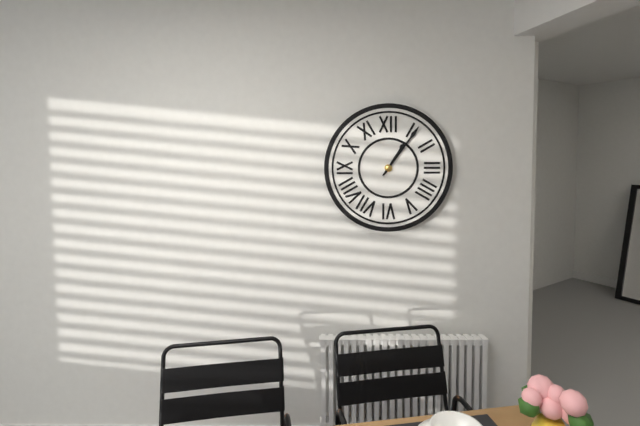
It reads **1:06**
